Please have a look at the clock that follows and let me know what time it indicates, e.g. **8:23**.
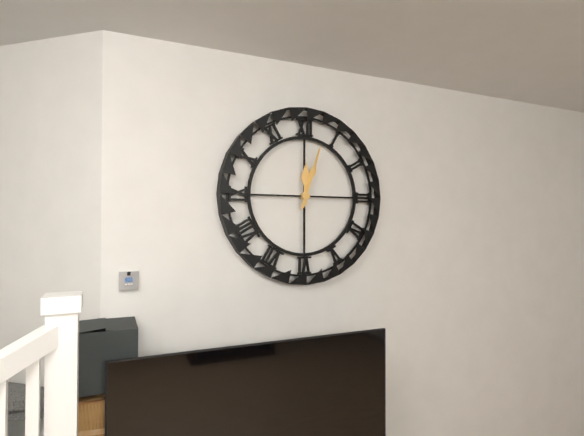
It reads **12:03**
